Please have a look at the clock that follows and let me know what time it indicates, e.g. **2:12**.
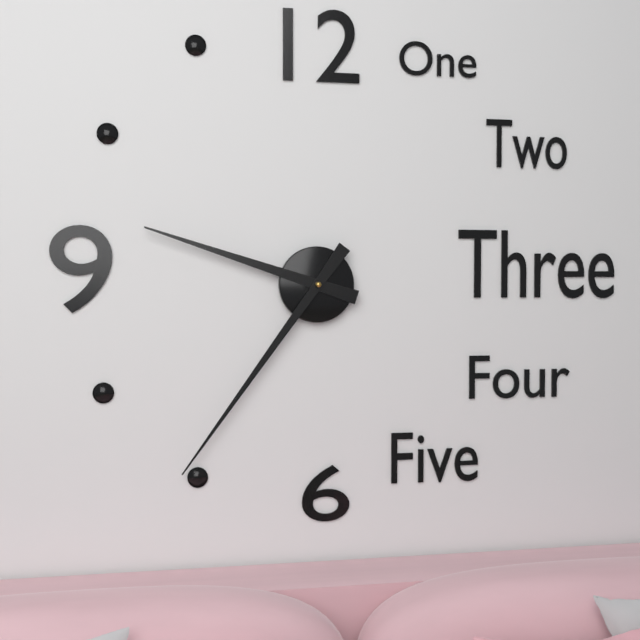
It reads **9:36**
